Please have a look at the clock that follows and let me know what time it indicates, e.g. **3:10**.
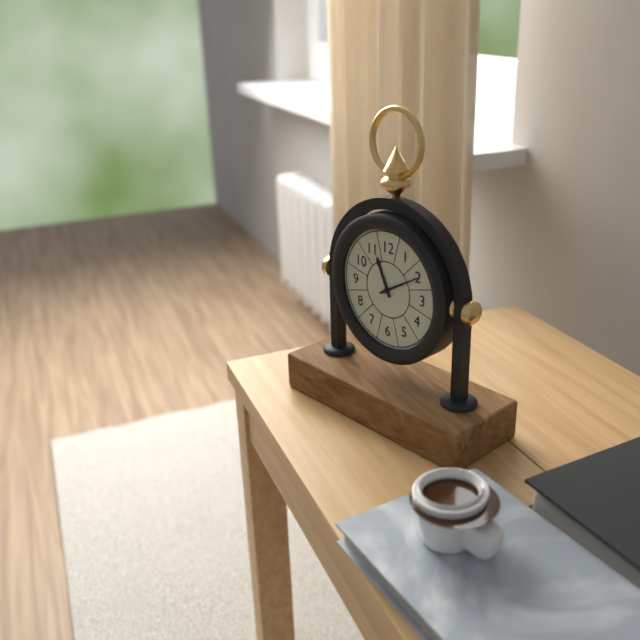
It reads **11:10**
